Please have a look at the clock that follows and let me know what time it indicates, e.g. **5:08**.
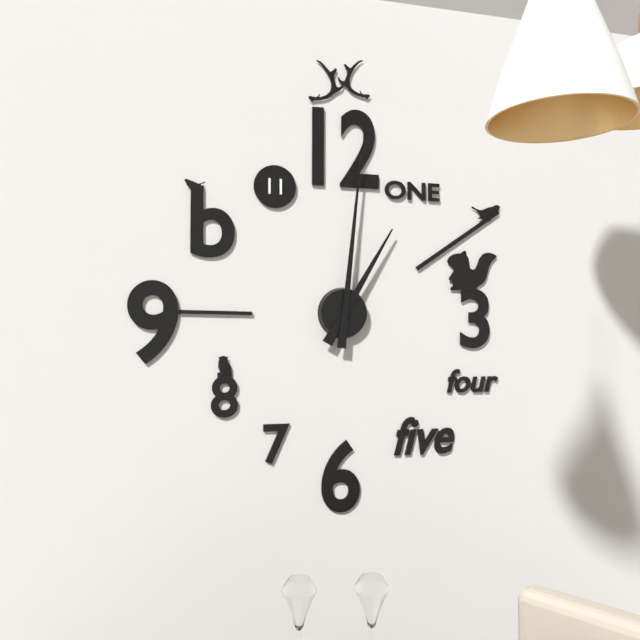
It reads **1:01**
